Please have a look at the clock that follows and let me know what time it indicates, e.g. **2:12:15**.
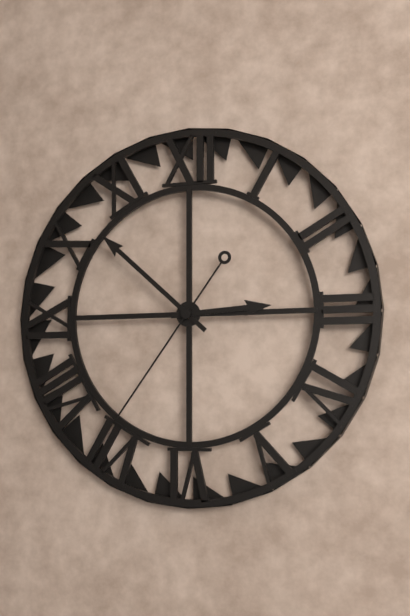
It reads **2:52:36**
